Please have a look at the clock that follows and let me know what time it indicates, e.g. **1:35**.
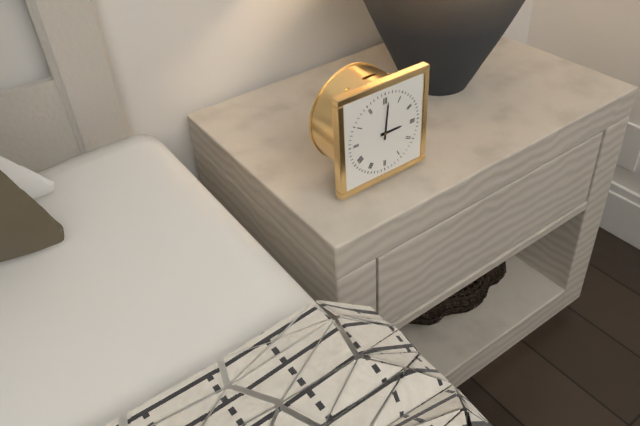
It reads **3:01**
